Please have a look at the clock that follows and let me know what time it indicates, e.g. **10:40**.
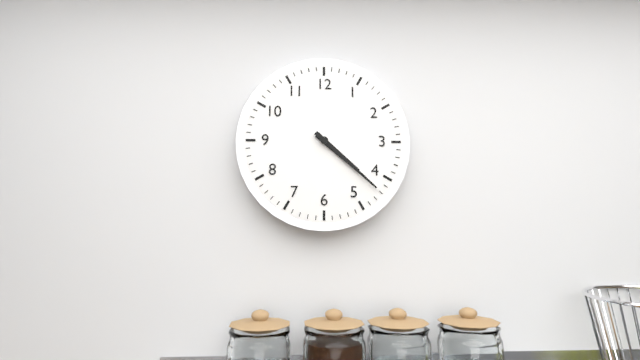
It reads **4:22**
